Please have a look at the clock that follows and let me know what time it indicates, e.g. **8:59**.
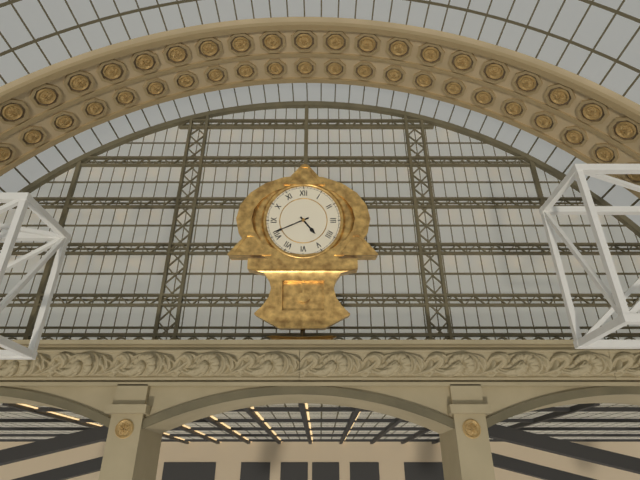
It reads **4:41**
